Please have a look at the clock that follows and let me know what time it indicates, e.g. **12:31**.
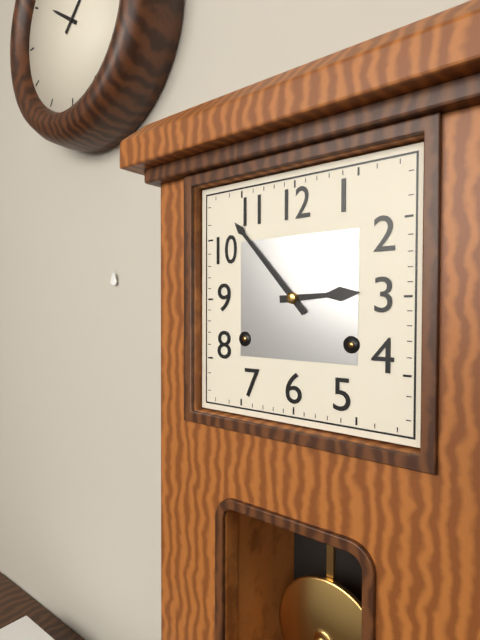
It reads **2:53**
